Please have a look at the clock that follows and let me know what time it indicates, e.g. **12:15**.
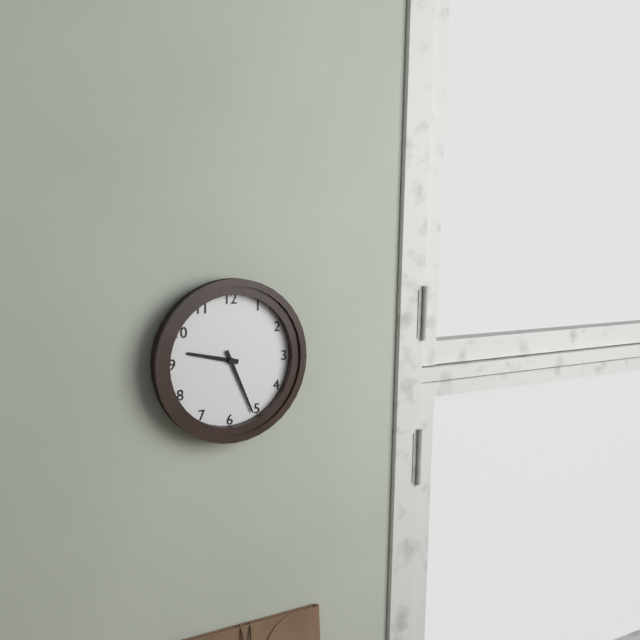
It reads **9:26**
